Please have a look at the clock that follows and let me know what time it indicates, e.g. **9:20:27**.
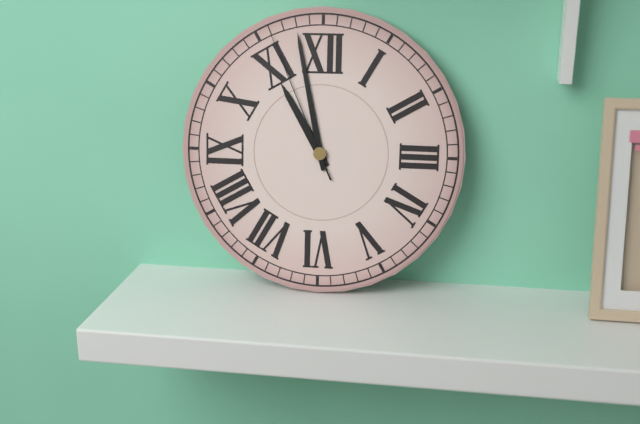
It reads **10:58:56**
